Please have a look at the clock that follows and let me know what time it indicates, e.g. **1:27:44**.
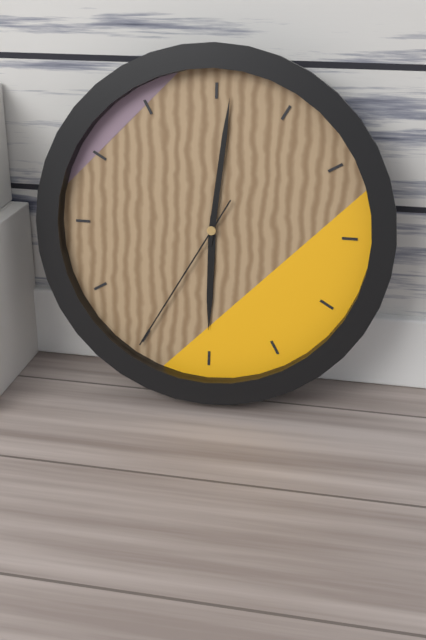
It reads **6:01:35**
